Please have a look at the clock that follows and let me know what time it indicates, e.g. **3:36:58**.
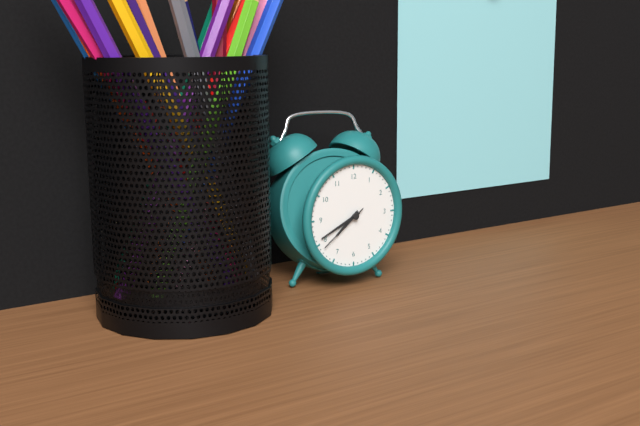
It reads **7:41:39**
